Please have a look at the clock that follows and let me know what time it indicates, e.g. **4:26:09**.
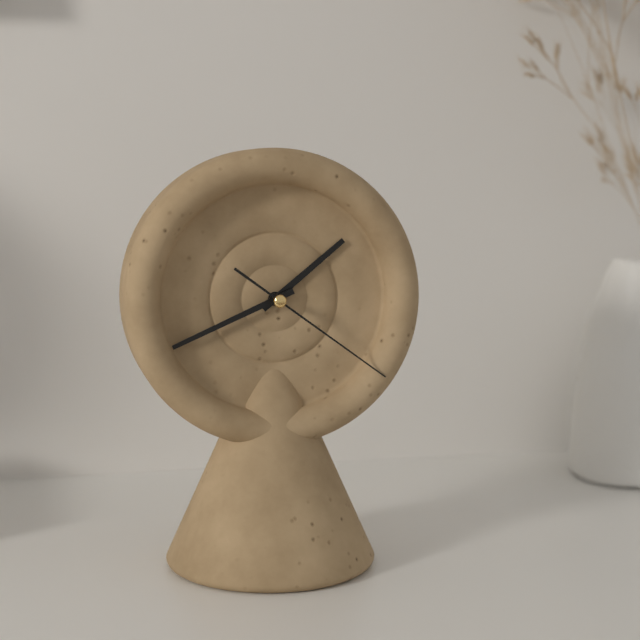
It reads **1:41:21**
